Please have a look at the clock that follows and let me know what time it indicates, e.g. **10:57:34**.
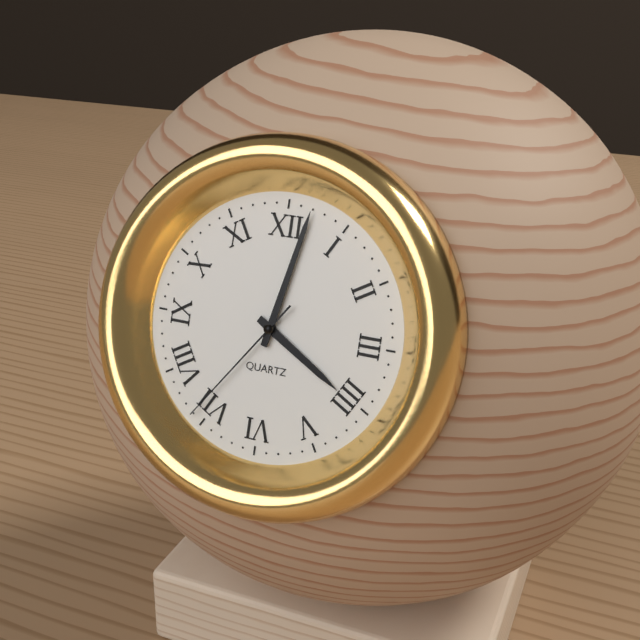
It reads **4:02:36**
